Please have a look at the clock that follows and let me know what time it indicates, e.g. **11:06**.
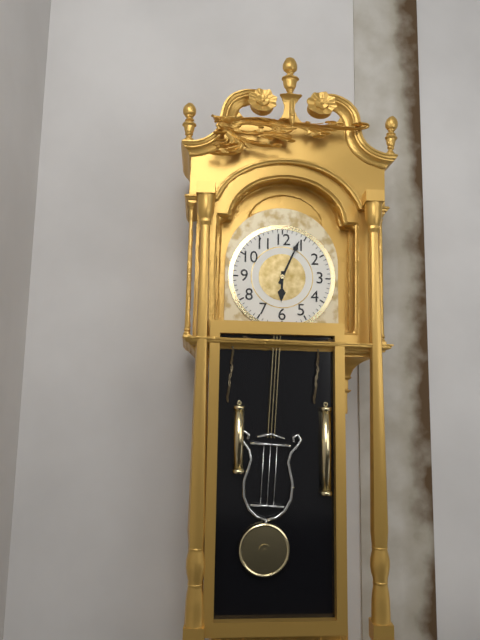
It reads **6:04**
